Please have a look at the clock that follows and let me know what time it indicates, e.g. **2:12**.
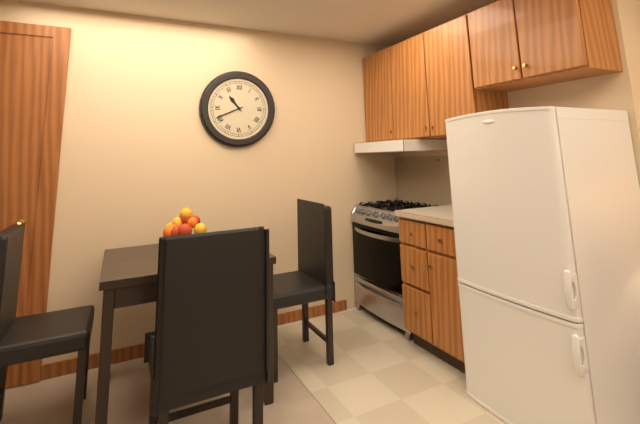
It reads **10:41**
